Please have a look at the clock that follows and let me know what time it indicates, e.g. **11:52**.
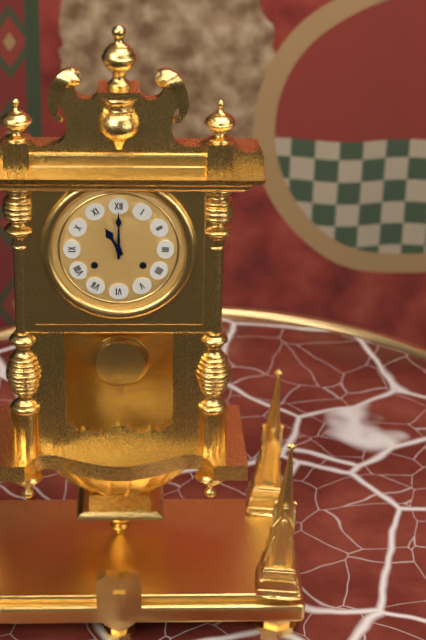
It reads **11:00**
